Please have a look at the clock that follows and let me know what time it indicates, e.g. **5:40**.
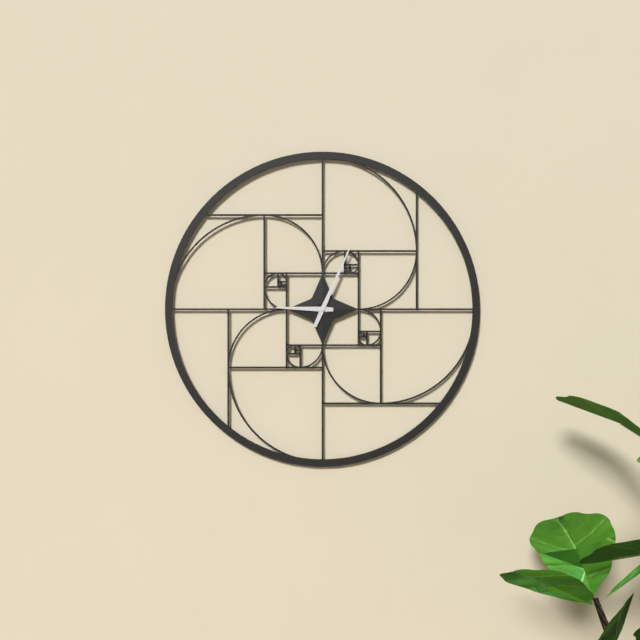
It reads **9:04**
